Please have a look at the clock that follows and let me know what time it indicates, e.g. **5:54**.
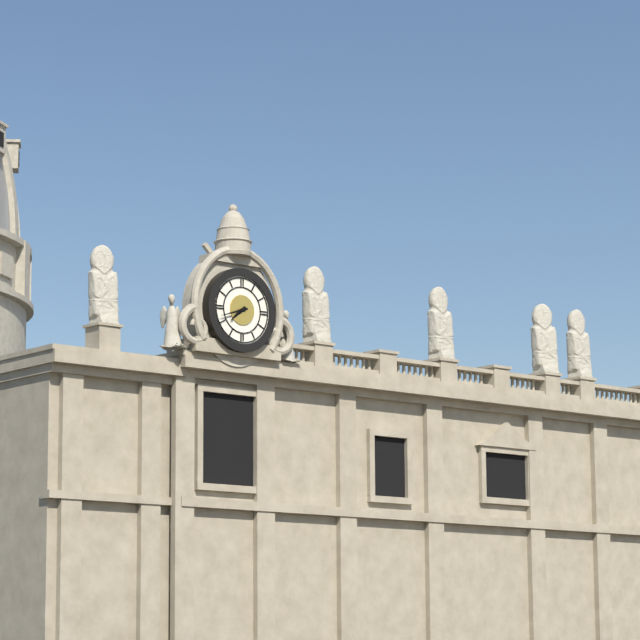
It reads **7:42**
